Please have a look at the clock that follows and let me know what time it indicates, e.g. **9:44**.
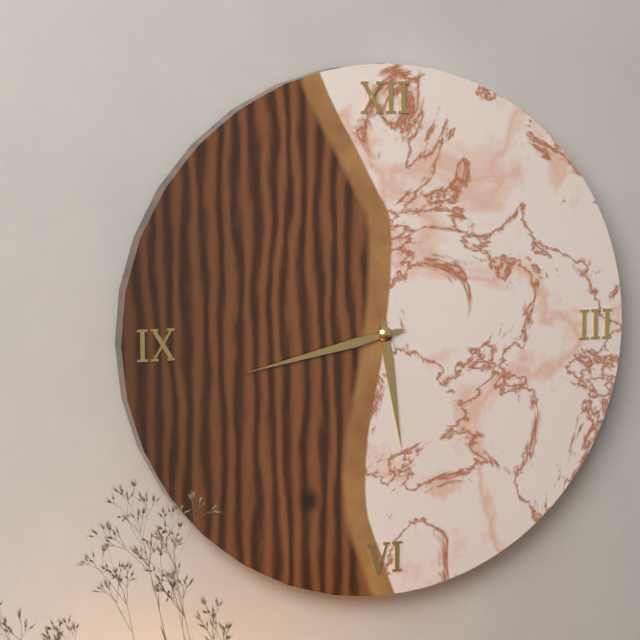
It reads **5:43**
